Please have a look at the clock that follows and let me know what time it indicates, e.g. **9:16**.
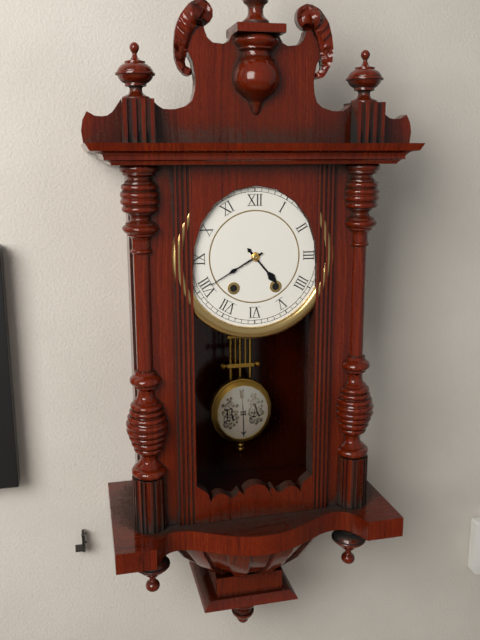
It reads **4:40**
